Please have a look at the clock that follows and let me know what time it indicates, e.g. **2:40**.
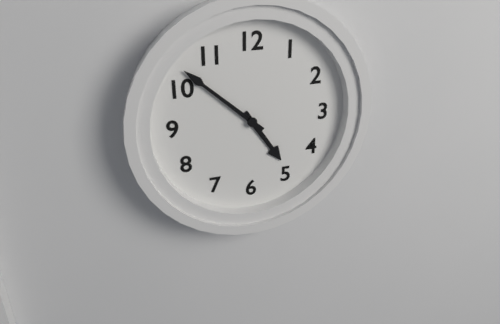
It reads **4:52**
